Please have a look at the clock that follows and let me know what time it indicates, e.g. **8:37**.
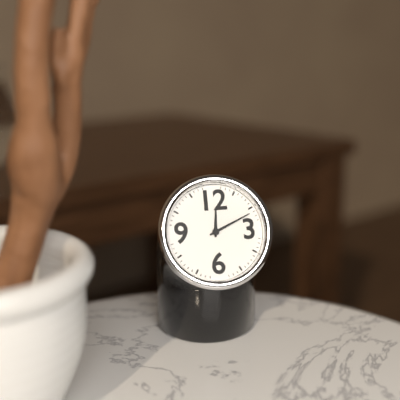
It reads **12:11**
